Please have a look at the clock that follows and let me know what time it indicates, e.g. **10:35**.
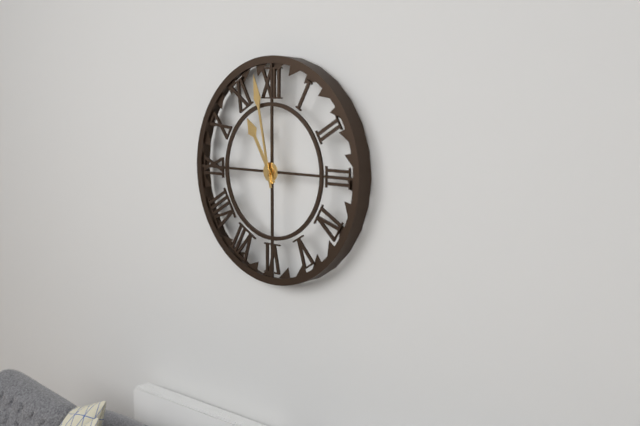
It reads **10:58**
